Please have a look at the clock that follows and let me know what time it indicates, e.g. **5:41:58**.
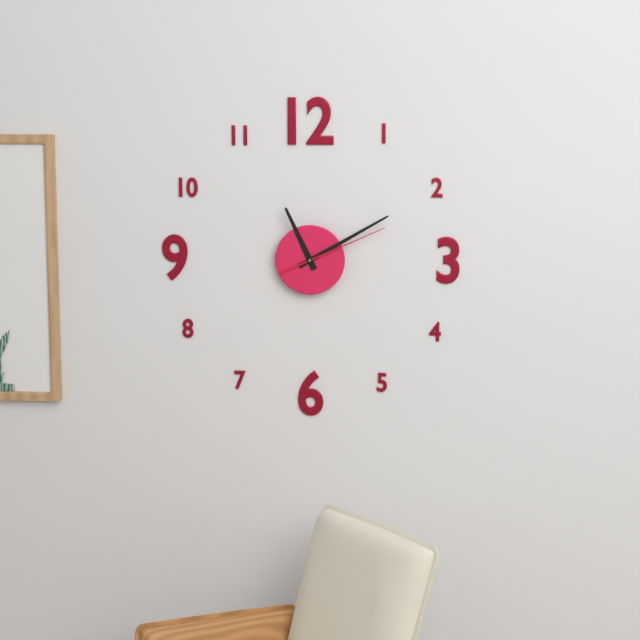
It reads **11:10:11**
